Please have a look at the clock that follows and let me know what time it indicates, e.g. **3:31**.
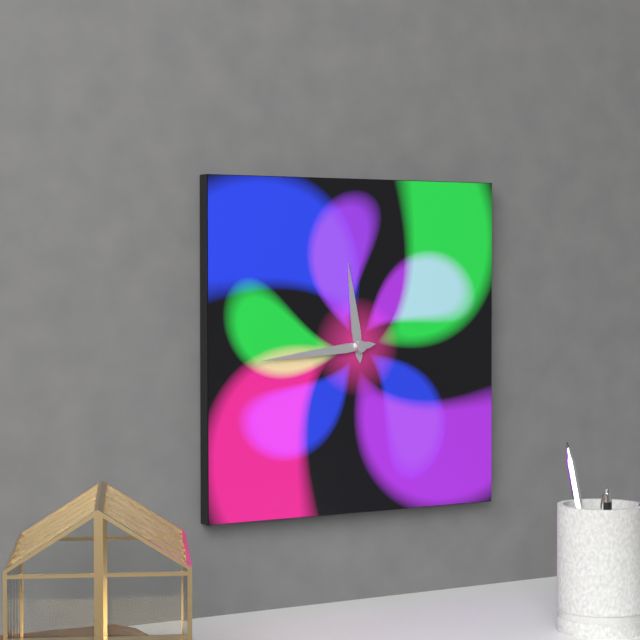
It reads **11:44**
